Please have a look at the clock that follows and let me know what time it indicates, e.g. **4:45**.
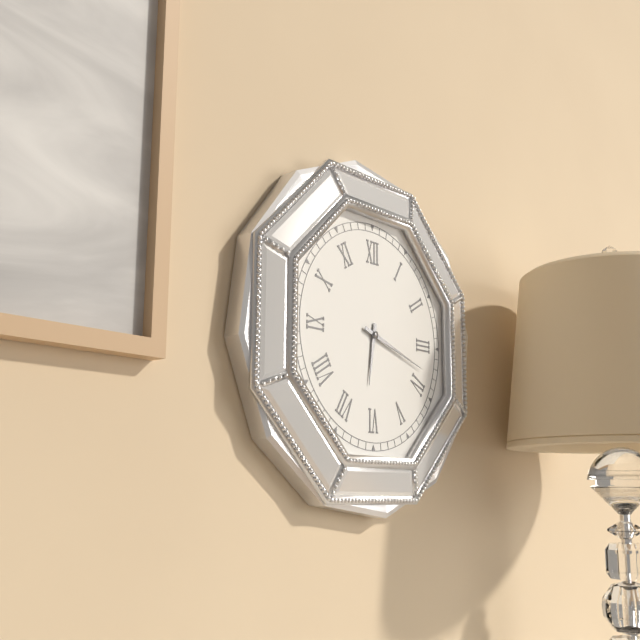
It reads **6:18**
